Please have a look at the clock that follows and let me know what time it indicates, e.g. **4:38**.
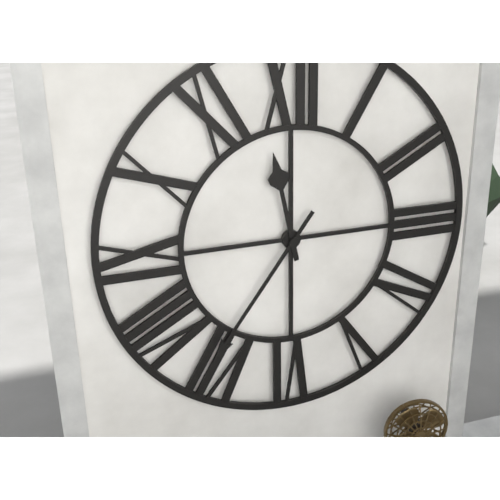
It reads **11:36**
